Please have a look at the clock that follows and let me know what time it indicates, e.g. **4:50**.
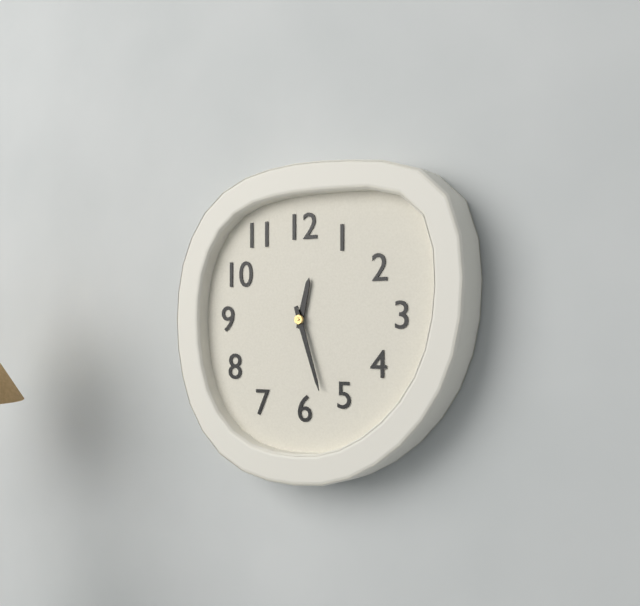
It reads **12:27**
